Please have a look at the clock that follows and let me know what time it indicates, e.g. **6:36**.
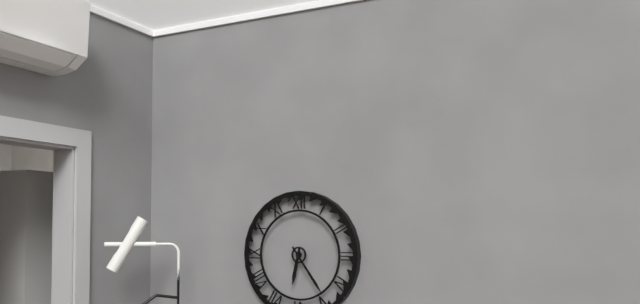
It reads **6:24**
